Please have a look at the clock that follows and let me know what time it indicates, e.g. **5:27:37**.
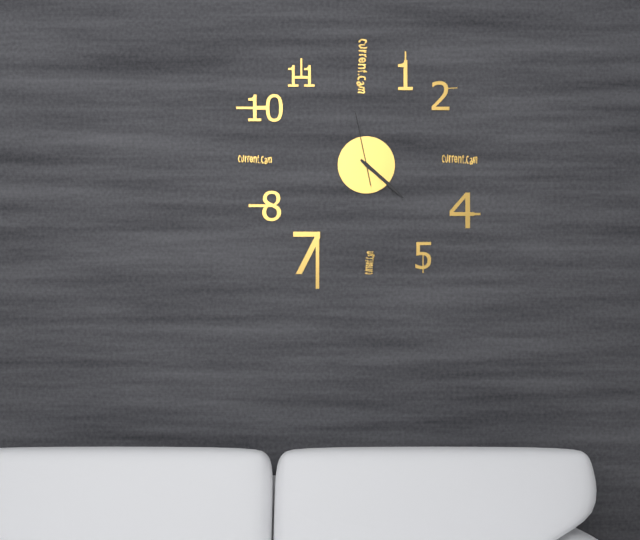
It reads **4:22:58**
